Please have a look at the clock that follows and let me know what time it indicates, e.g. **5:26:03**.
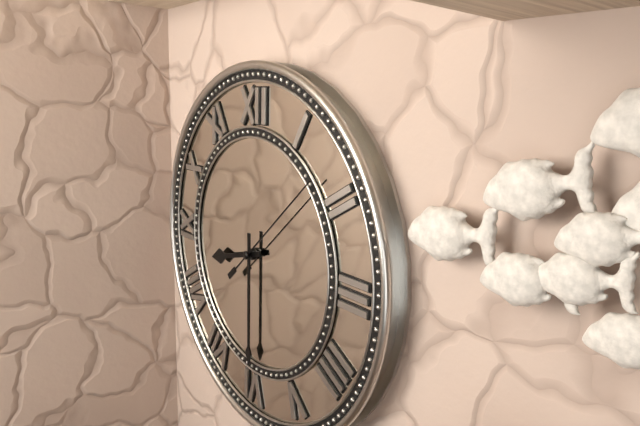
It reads **8:30:08**
